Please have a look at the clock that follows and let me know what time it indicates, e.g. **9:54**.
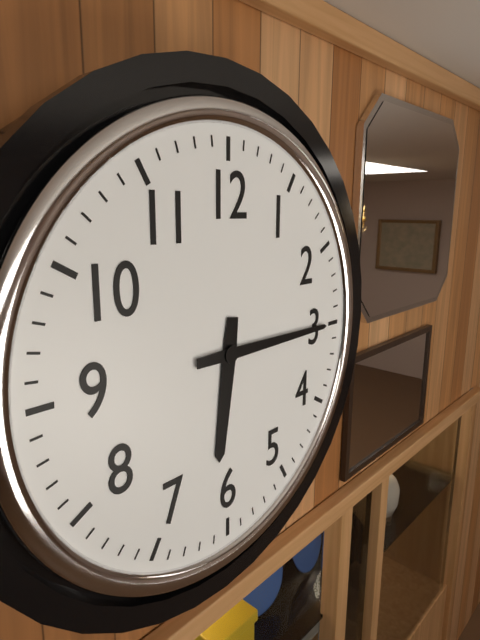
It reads **6:15**
